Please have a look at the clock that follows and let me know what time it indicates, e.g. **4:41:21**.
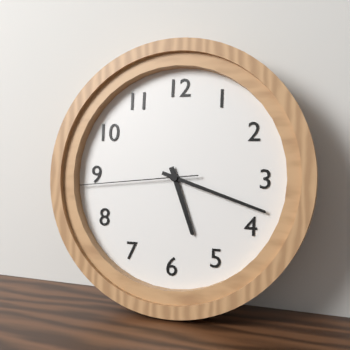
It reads **5:18:44**
